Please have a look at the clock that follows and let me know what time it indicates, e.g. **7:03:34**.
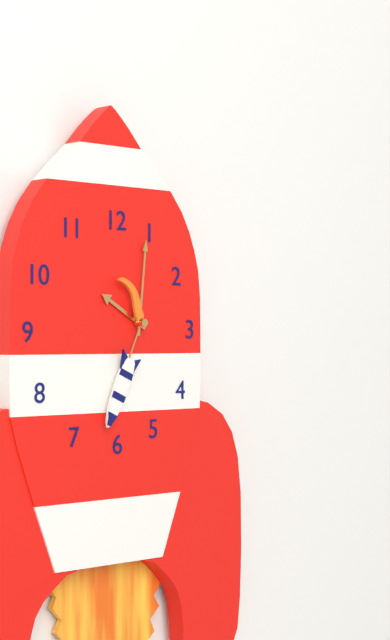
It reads **10:01:34**
